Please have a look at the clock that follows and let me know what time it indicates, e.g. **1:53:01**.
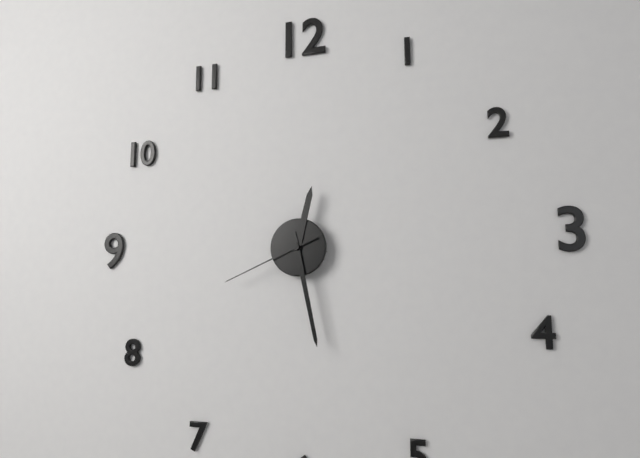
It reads **12:28:41**
